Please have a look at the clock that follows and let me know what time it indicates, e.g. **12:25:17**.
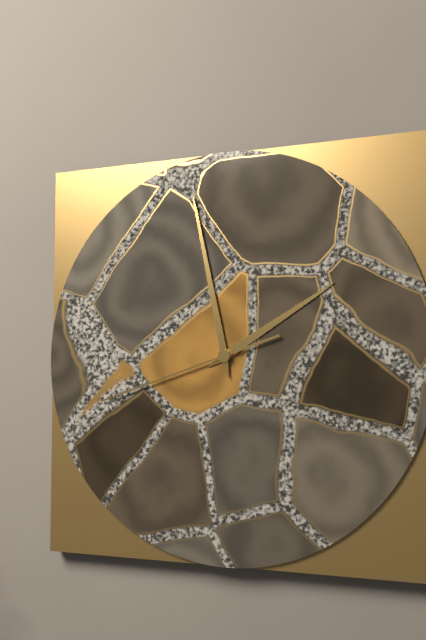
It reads **1:58:42**
